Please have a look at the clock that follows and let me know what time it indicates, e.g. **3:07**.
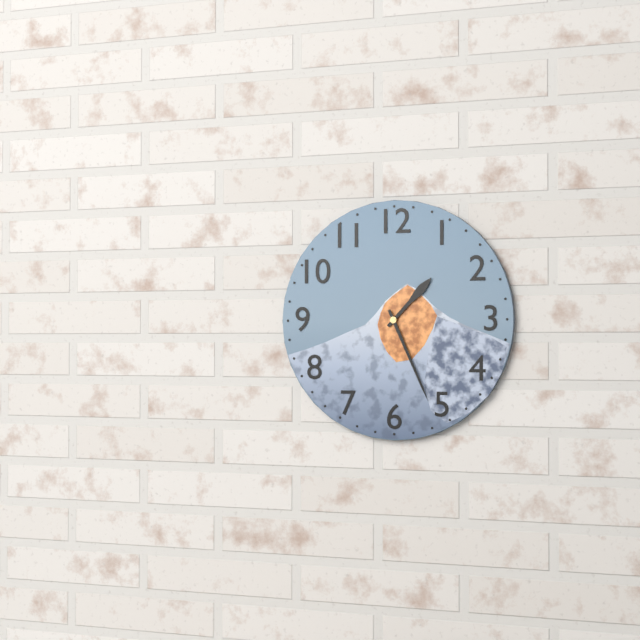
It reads **1:26**
